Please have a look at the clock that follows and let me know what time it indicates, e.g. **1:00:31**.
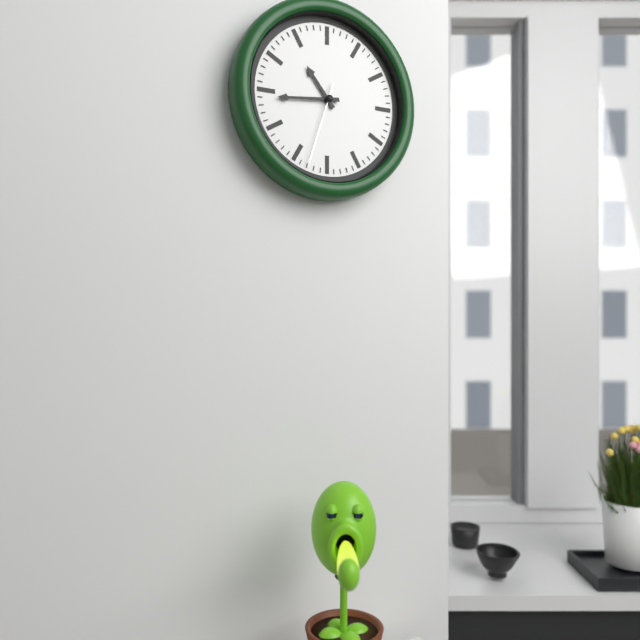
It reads **10:44:33**
